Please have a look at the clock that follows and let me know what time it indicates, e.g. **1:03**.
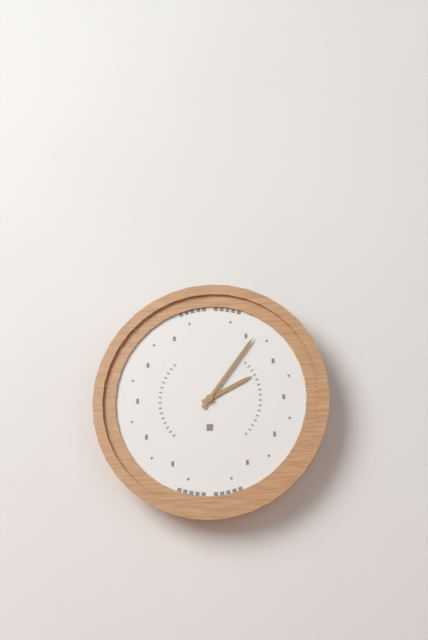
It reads **2:06**
